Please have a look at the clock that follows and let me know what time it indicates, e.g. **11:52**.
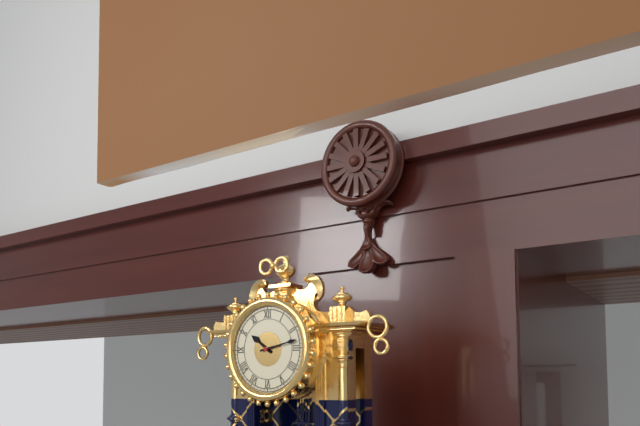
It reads **10:13**
